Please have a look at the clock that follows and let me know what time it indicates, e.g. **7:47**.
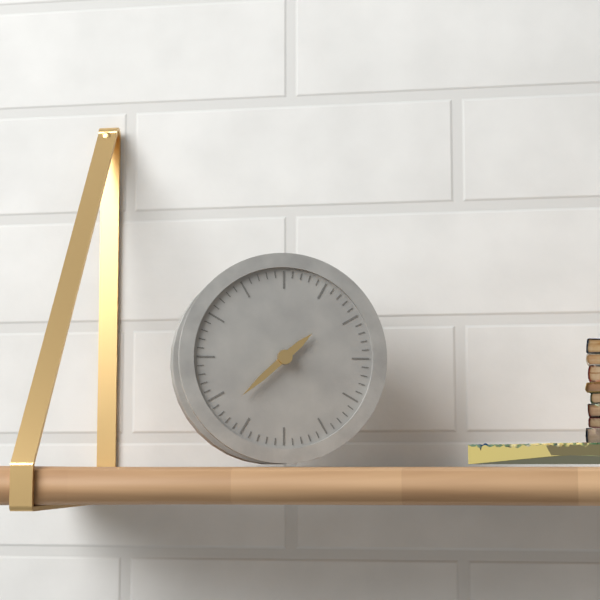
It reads **1:38**
